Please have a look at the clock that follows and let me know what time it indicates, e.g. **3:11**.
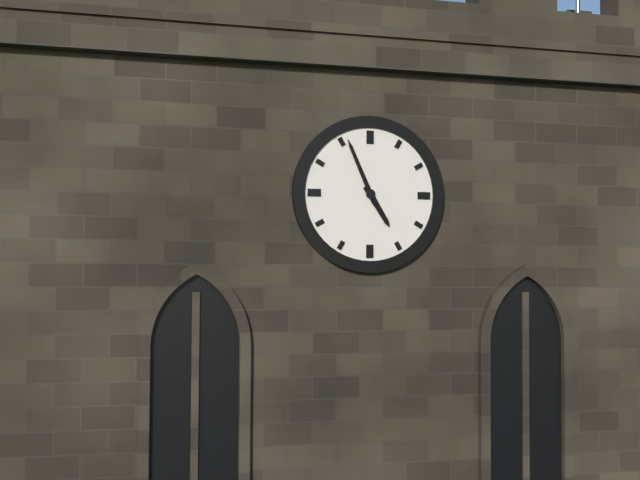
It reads **4:56**
